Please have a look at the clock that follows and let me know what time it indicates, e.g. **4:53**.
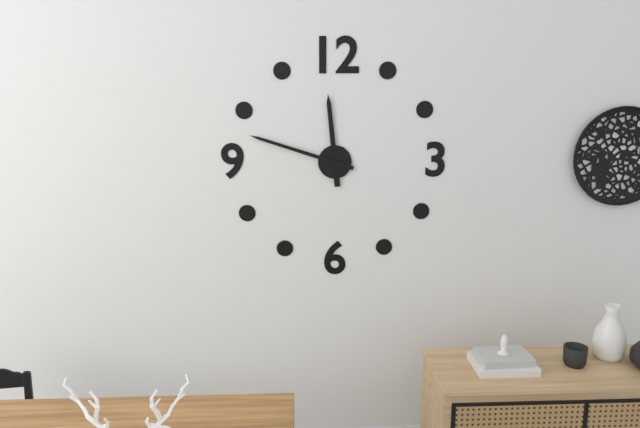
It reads **11:48**
